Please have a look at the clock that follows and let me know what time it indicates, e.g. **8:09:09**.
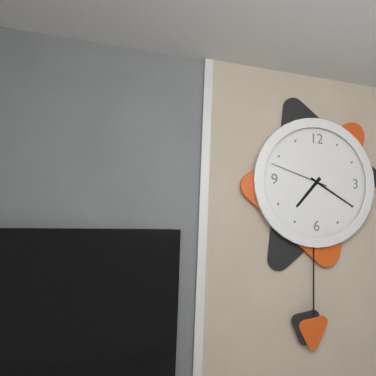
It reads **7:20:48**
